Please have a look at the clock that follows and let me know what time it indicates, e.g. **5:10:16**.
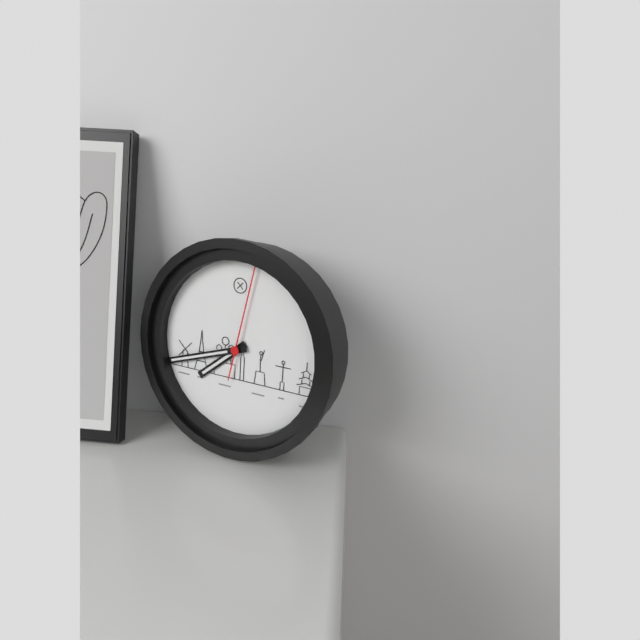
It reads **7:42:02**
